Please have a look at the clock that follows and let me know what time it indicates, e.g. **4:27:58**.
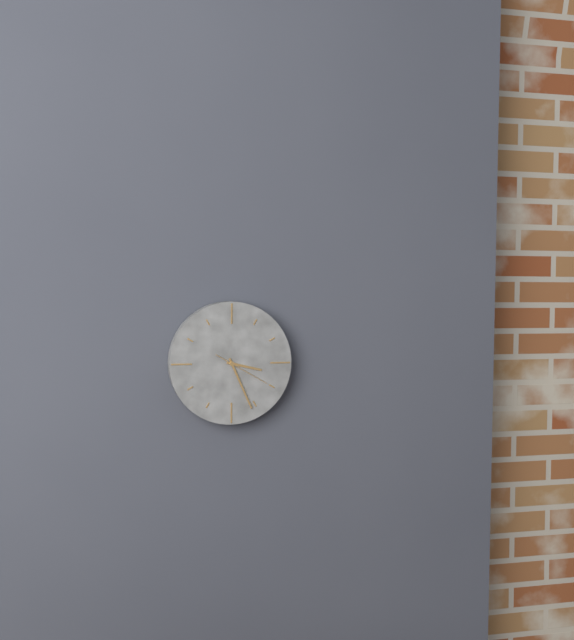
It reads **3:26:20**
